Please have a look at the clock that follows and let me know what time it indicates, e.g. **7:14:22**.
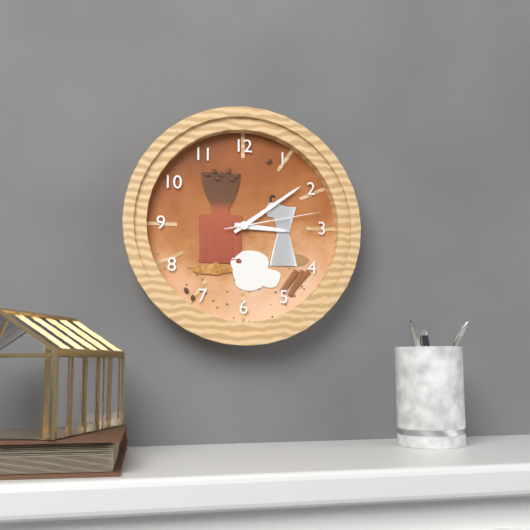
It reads **3:09:13**
